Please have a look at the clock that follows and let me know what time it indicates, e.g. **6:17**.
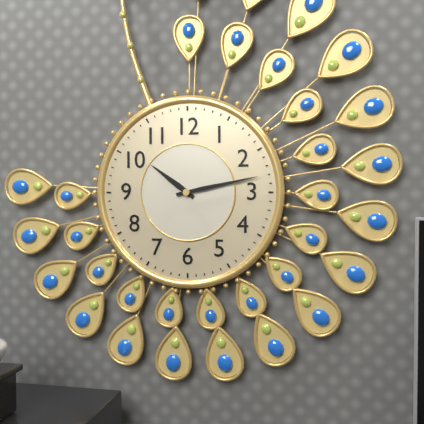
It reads **10:13**
